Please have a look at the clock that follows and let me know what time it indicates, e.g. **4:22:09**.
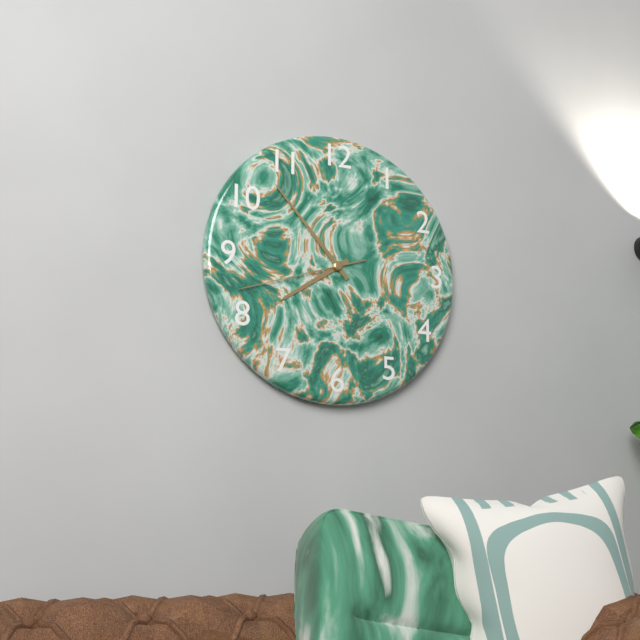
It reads **7:53:42**
